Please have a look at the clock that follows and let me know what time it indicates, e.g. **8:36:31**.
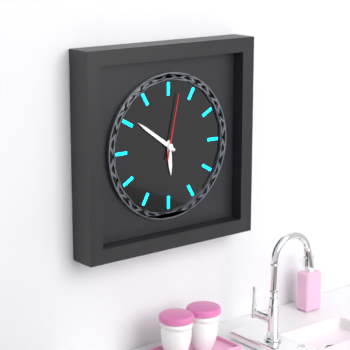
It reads **5:51:02**
